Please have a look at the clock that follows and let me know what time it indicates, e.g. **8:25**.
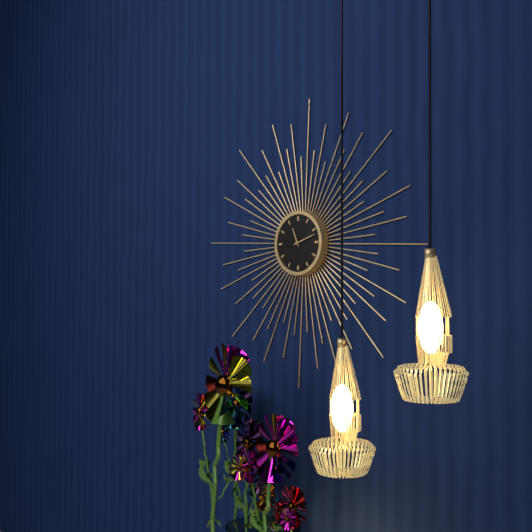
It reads **11:12**
